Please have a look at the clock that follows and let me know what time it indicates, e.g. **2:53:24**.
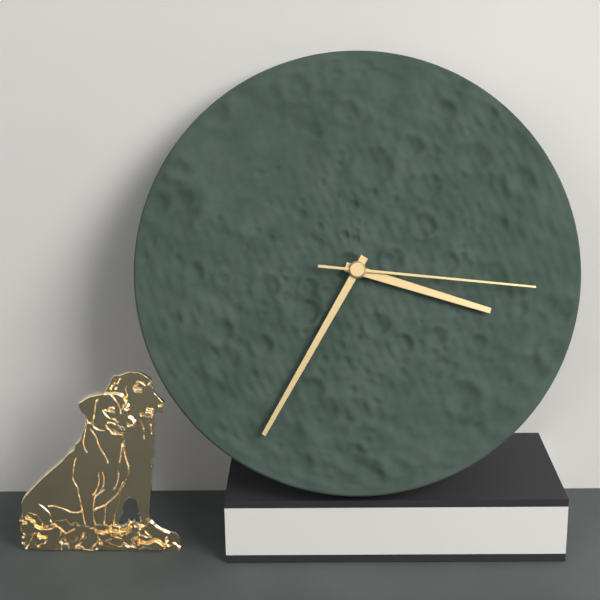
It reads **3:35:16**
